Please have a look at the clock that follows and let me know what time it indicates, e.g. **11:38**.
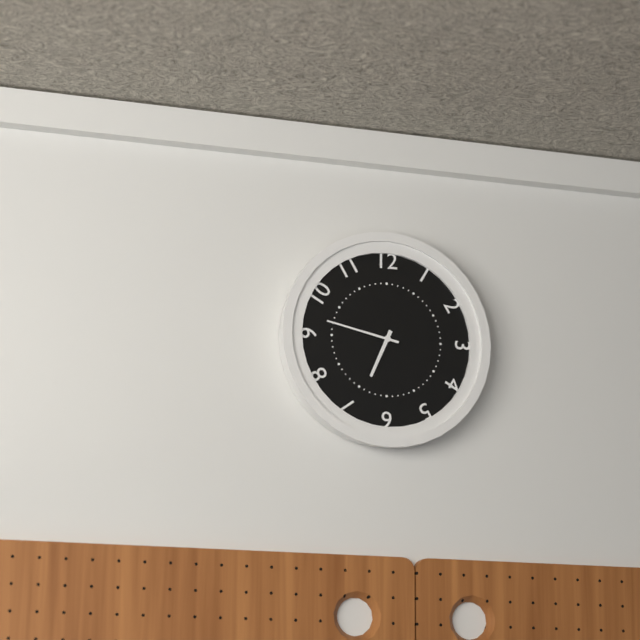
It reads **6:47**
